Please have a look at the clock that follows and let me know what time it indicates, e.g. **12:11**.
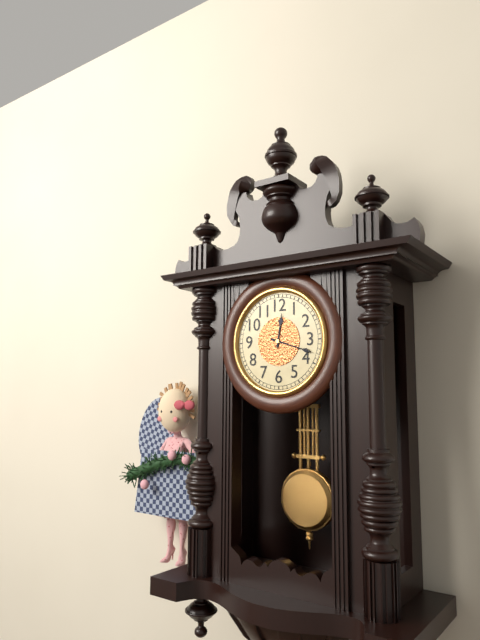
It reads **12:18**
